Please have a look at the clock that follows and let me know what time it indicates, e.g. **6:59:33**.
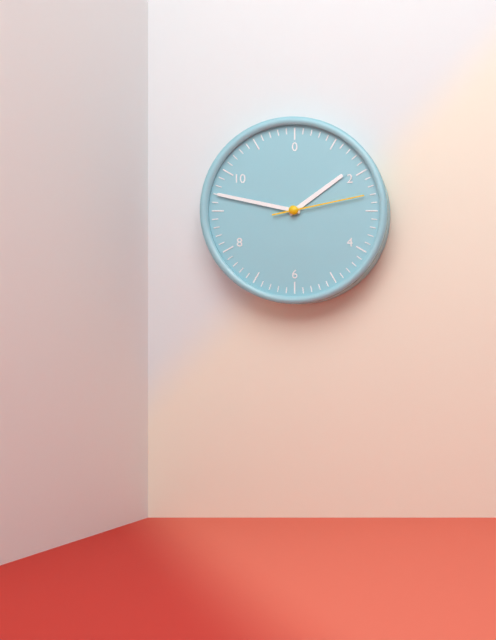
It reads **1:47:13**
